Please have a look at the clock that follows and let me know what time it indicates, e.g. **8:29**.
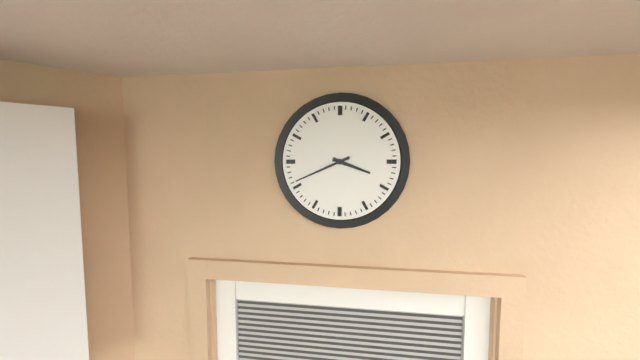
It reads **3:41**
